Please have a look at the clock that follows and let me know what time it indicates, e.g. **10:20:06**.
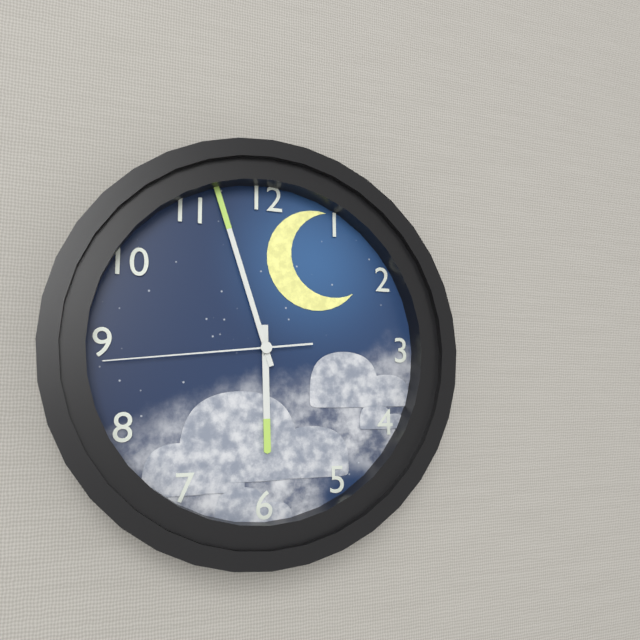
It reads **5:57:44**
